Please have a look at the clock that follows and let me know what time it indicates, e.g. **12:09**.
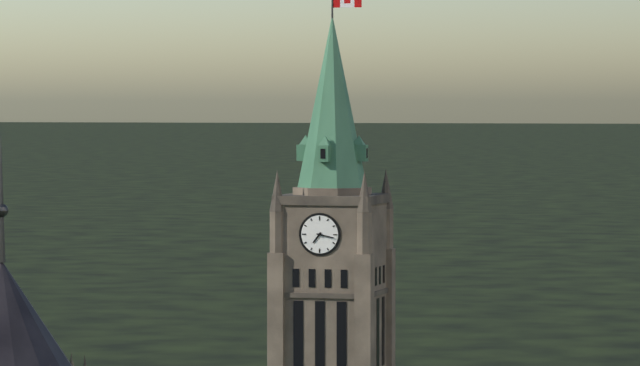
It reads **7:17**
